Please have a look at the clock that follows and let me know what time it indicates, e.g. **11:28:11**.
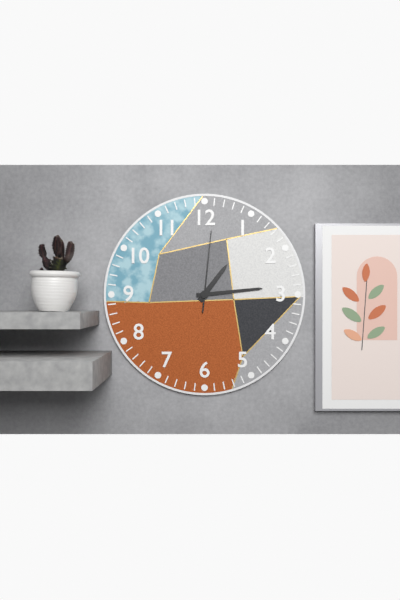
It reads **1:14:01**
